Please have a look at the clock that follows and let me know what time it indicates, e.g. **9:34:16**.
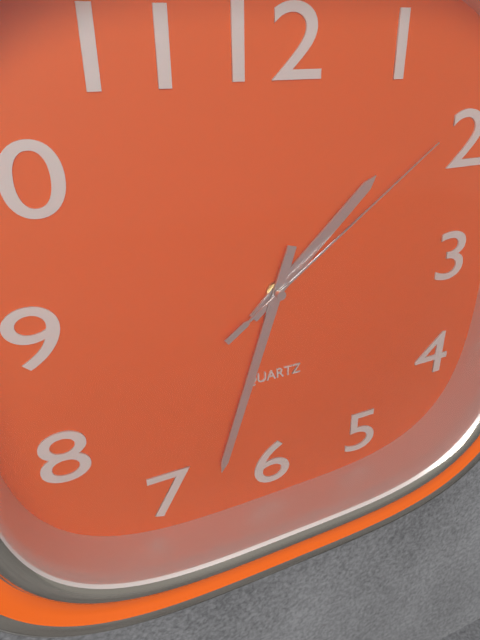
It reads **1:33:09**
